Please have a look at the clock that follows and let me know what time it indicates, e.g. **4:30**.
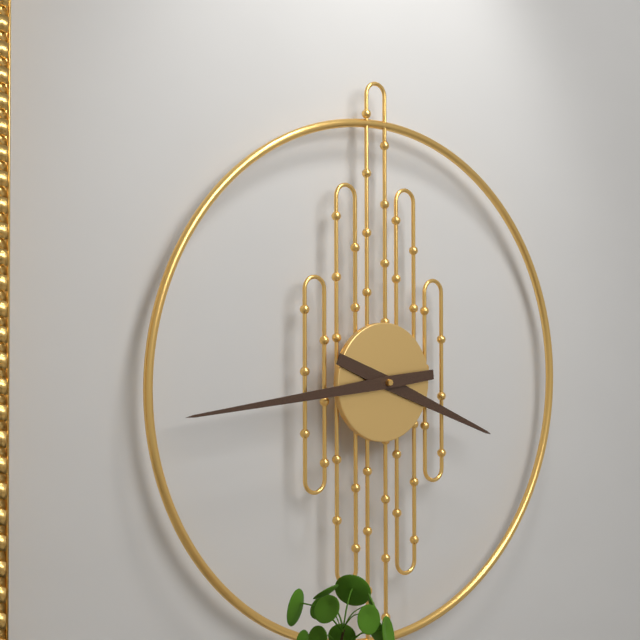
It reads **3:44**
